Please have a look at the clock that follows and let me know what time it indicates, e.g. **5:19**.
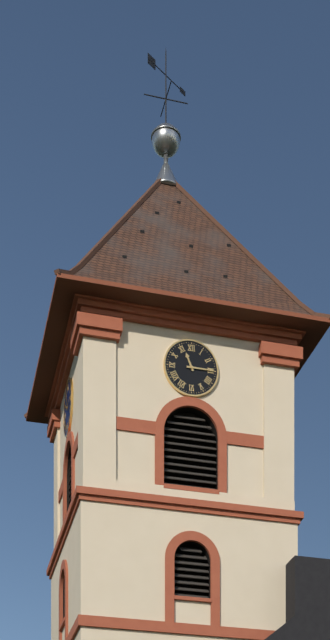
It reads **11:15**
